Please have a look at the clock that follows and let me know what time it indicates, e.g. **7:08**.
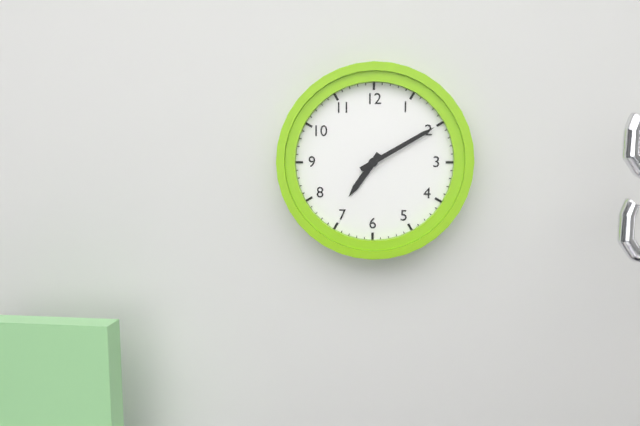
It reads **7:10**
